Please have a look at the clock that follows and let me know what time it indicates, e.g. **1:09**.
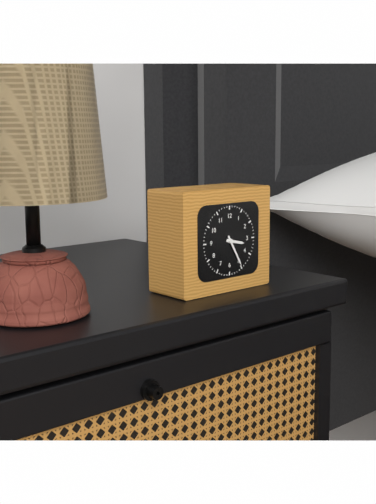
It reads **3:25**
